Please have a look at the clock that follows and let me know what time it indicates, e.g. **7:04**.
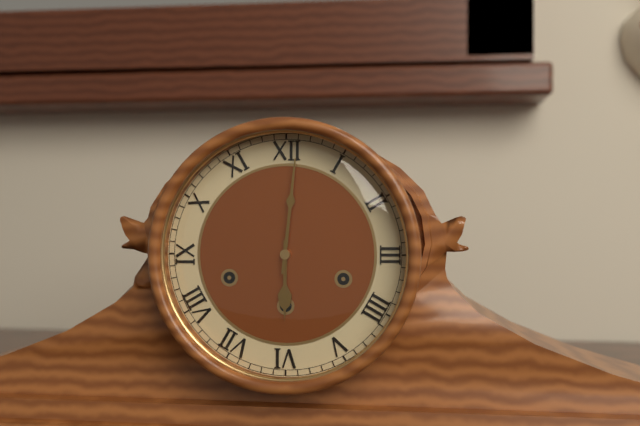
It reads **6:01**
